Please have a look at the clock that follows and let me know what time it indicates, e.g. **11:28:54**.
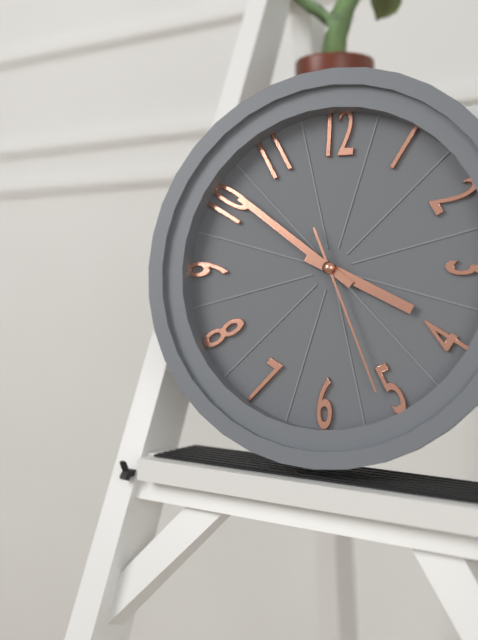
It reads **3:51:26**
